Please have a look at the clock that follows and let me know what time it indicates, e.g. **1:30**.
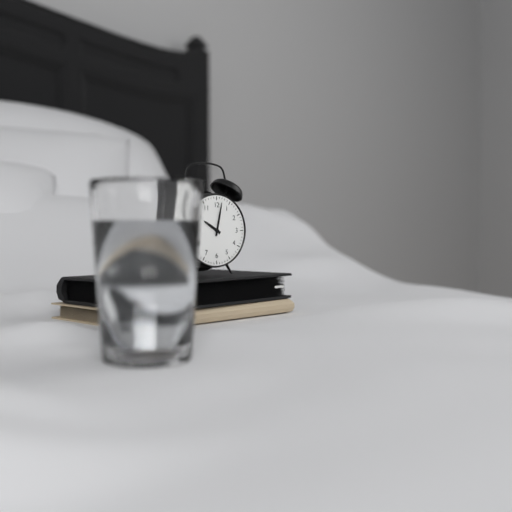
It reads **10:02**
